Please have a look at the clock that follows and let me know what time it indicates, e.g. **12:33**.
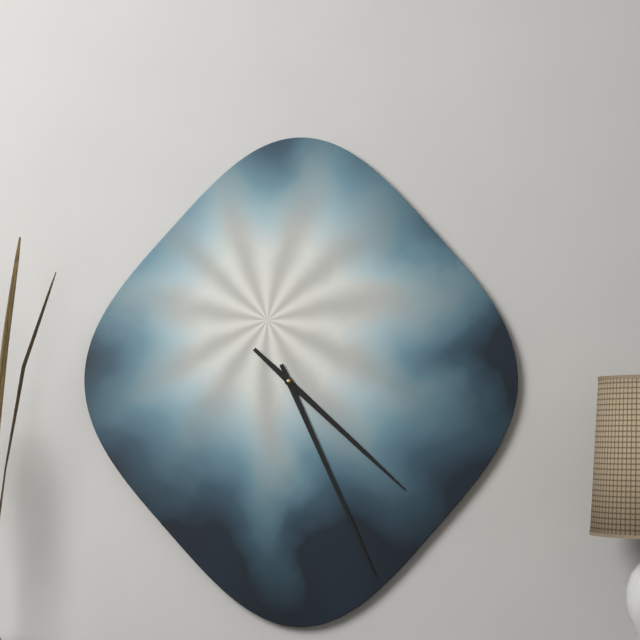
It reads **4:26**
